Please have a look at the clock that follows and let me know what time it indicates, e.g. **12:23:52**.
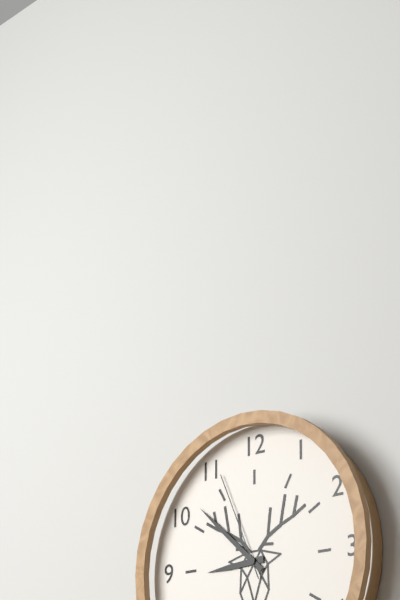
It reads **8:52:56**
